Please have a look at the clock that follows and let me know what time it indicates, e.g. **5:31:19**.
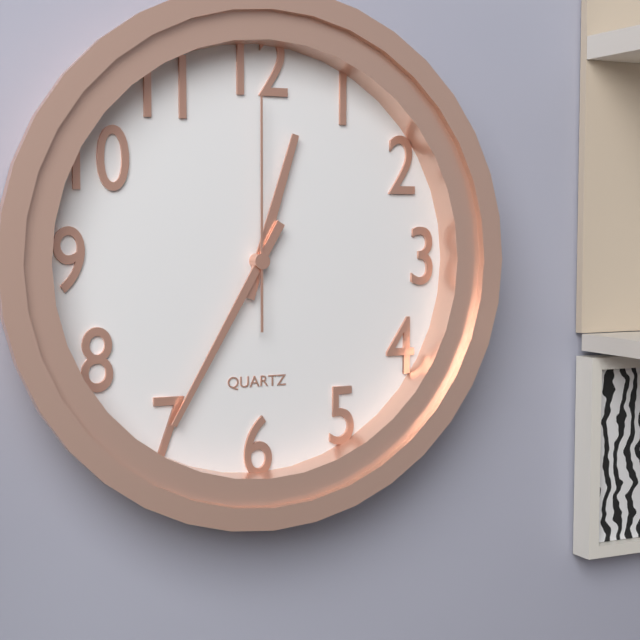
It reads **12:35:00**
